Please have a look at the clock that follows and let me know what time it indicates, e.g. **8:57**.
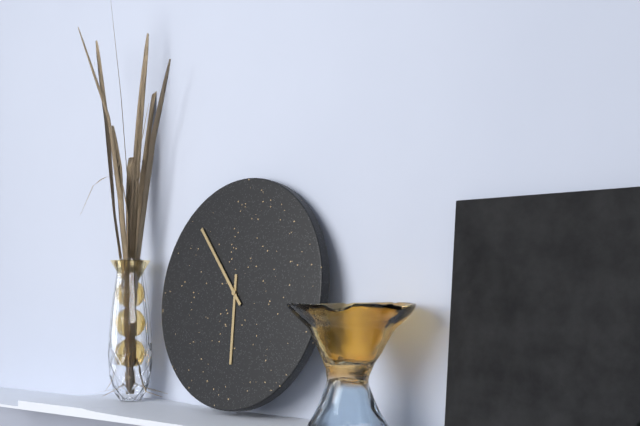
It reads **5:53**
